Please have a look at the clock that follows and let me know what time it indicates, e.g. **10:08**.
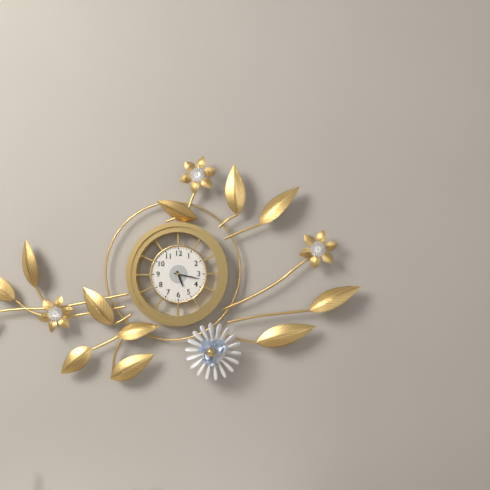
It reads **5:17**
